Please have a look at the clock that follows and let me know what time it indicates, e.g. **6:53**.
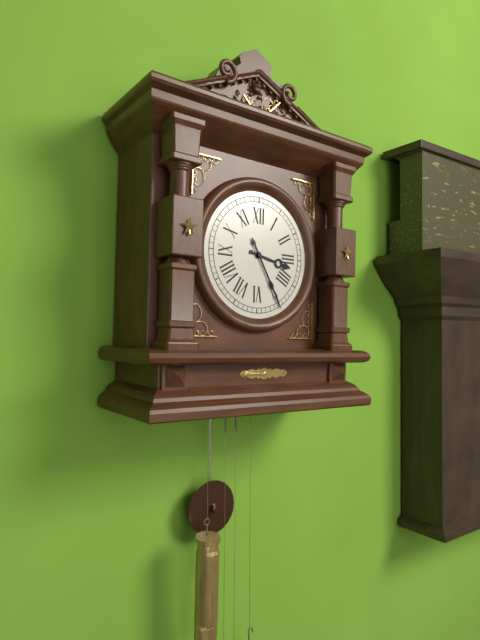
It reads **3:25**
